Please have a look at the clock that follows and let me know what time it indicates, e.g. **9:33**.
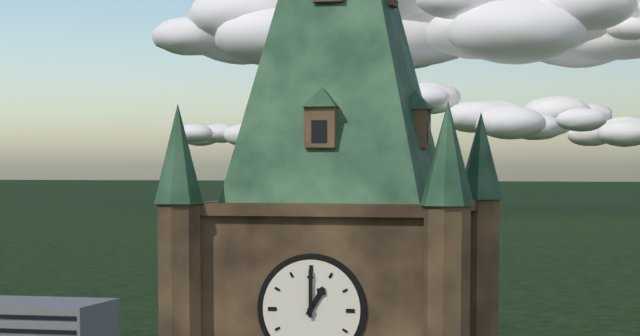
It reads **1:00**
